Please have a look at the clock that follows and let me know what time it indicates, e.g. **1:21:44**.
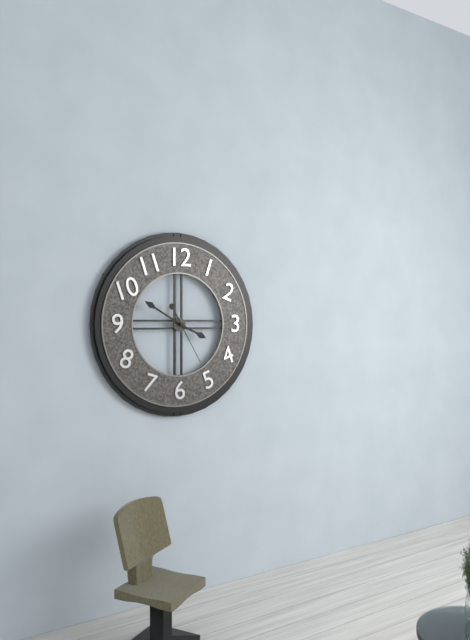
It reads **3:50:25**
